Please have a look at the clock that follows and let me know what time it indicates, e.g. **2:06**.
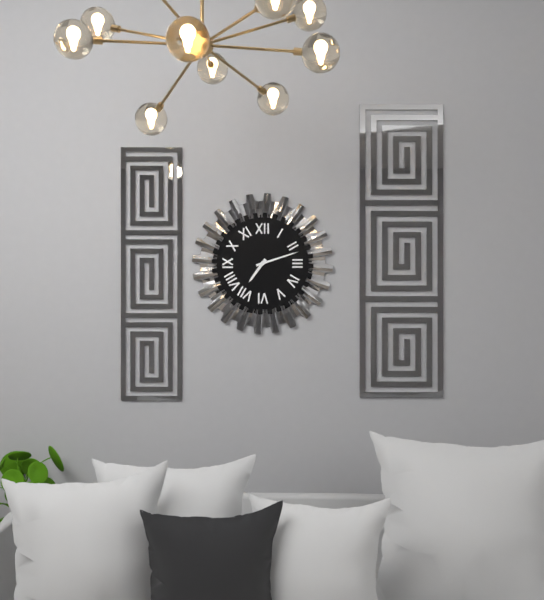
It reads **7:12**
